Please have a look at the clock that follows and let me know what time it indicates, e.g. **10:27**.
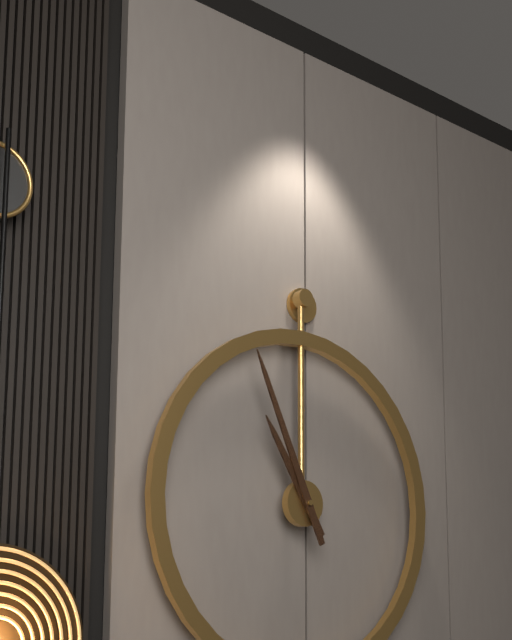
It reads **10:56**
